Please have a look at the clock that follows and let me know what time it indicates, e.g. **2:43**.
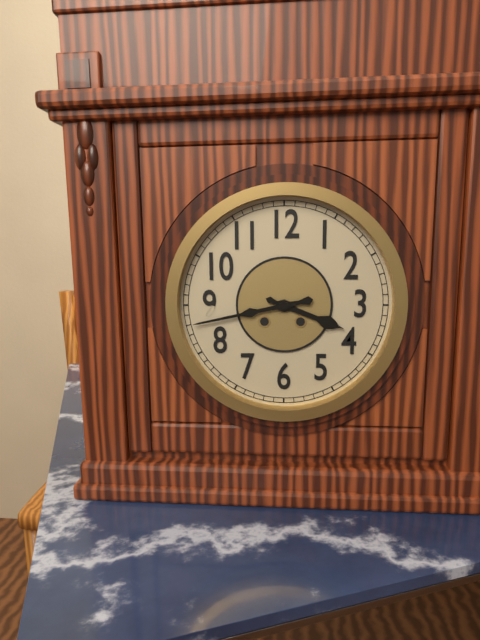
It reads **3:43**
